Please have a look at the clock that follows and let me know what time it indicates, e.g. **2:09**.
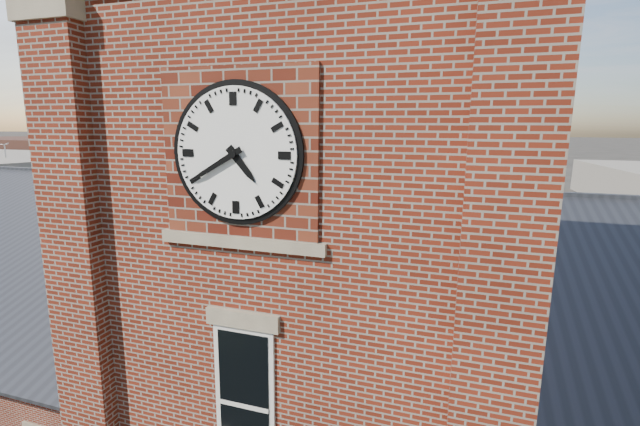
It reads **4:40**
